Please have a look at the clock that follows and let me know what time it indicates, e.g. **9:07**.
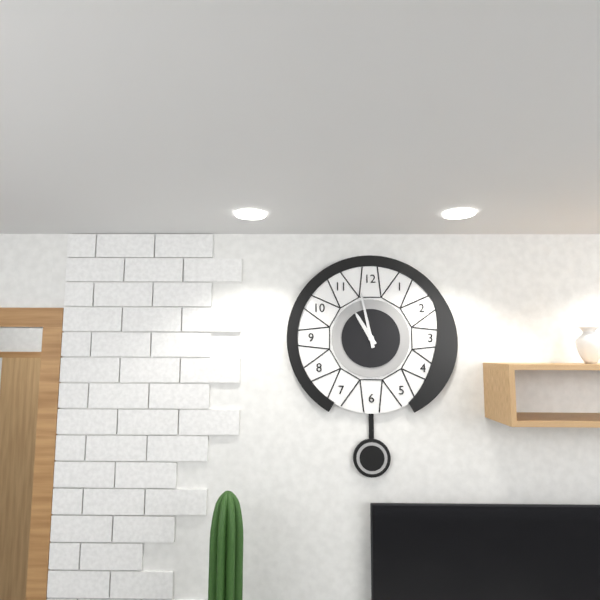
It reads **10:58**
